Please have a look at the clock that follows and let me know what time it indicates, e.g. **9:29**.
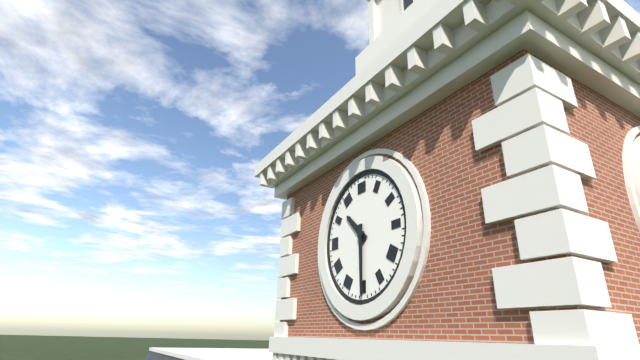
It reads **10:30**
